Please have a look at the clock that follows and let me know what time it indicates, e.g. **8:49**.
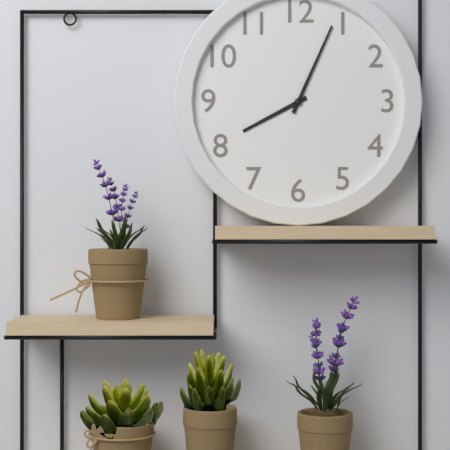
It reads **8:04**
